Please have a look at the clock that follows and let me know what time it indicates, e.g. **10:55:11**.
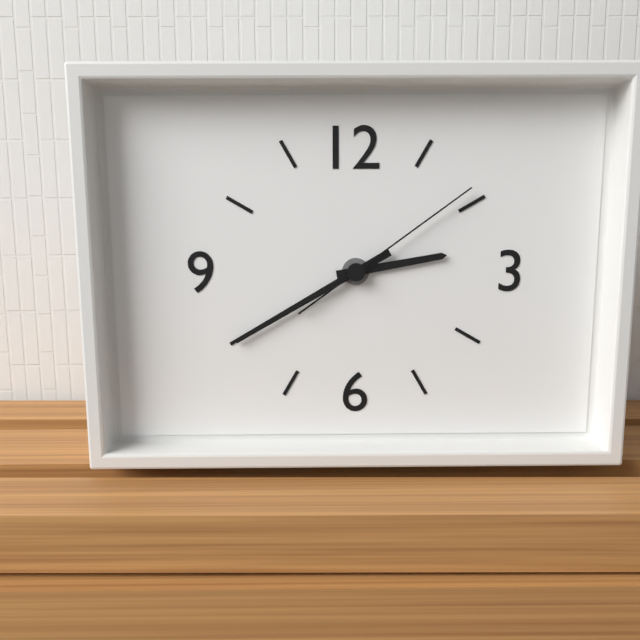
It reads **2:40:09**
